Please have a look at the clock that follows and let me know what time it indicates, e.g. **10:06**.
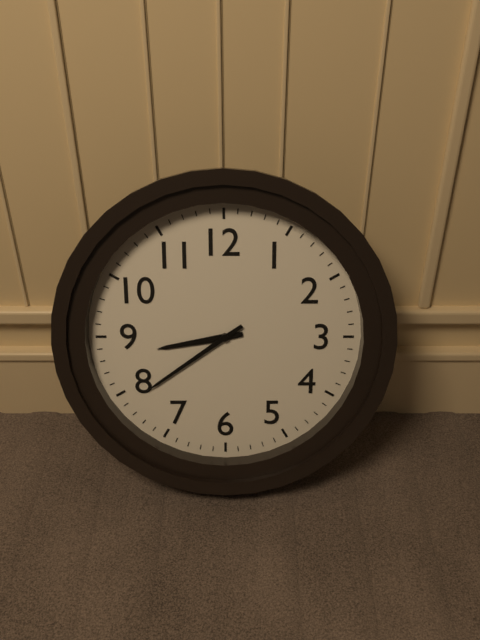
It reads **8:39**
